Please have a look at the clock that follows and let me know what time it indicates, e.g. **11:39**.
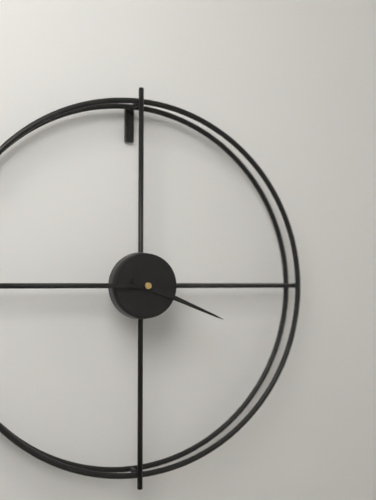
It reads **3:45**
